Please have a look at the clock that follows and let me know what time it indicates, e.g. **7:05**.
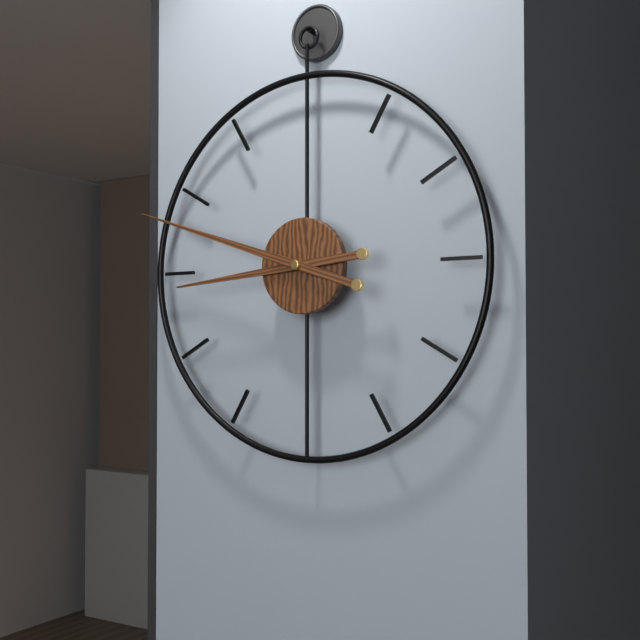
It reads **8:48**
